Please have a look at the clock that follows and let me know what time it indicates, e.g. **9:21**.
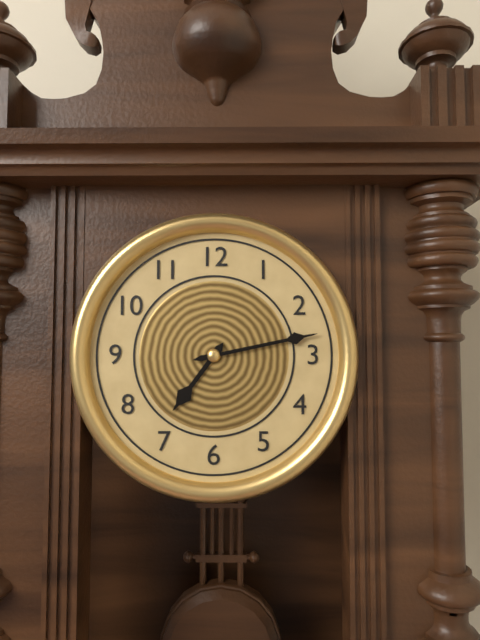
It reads **7:13**
